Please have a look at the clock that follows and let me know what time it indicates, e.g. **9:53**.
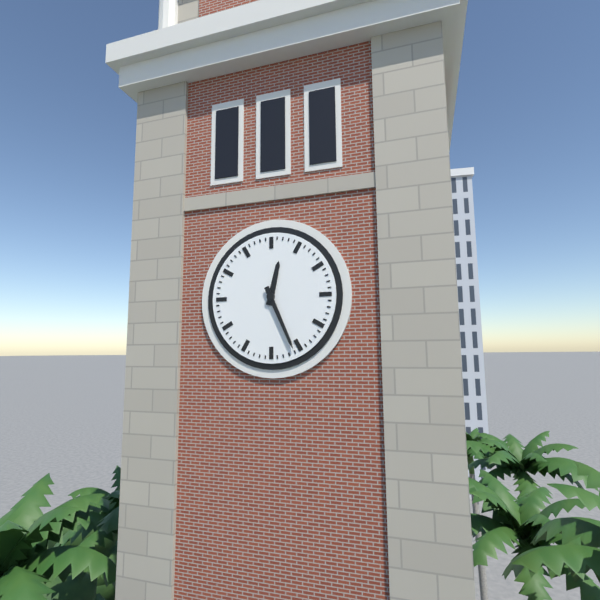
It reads **12:26**
